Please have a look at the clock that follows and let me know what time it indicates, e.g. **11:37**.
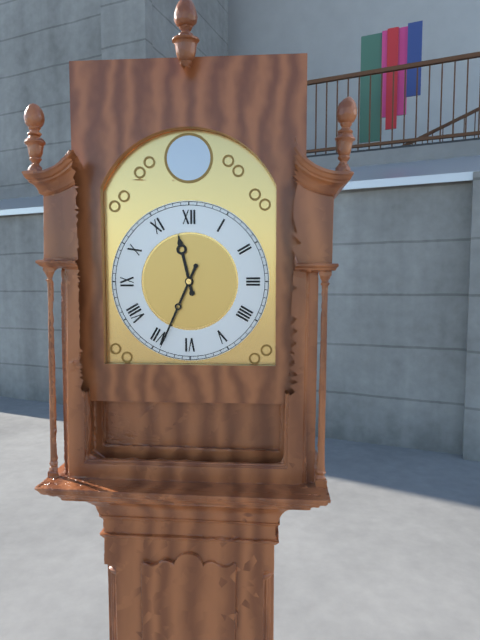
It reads **11:34**
